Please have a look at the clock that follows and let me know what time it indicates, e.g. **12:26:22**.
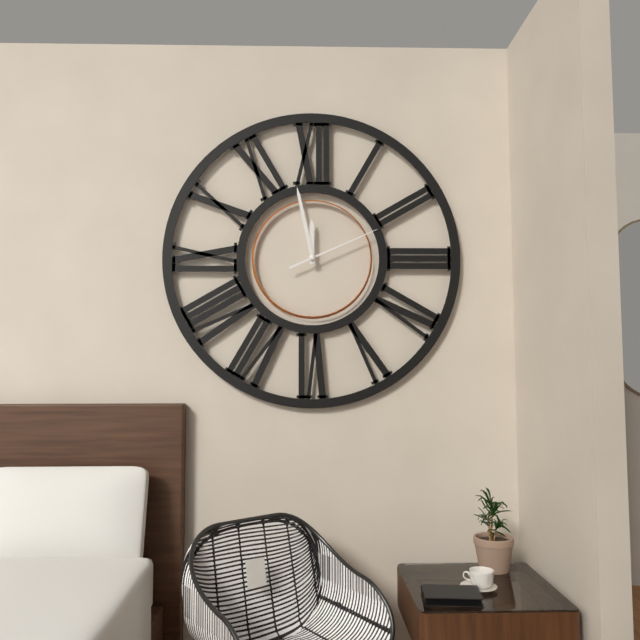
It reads **11:58:11**
